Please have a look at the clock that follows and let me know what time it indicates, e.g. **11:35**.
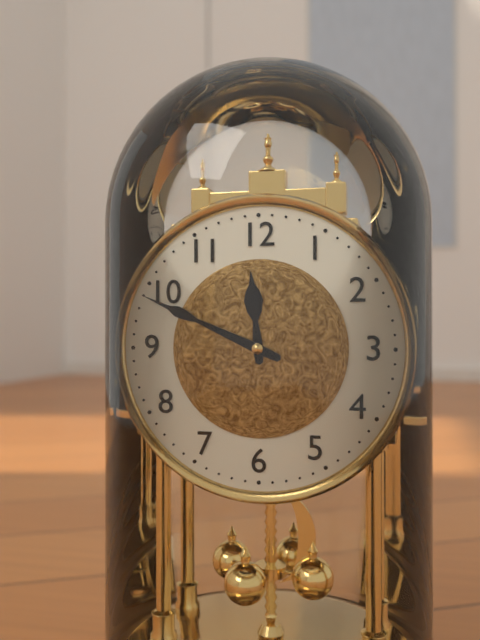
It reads **11:49**
